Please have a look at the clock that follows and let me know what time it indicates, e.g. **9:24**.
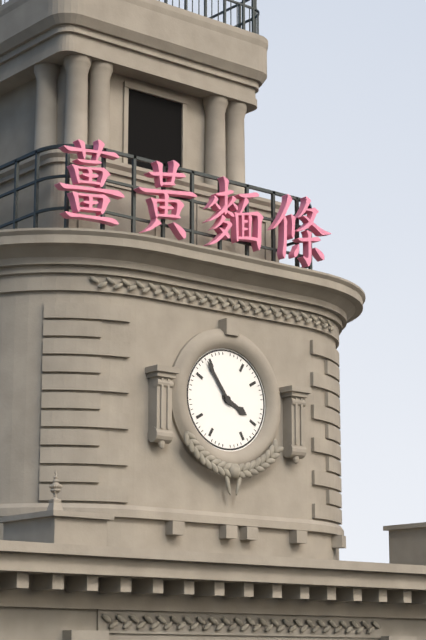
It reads **3:54**
